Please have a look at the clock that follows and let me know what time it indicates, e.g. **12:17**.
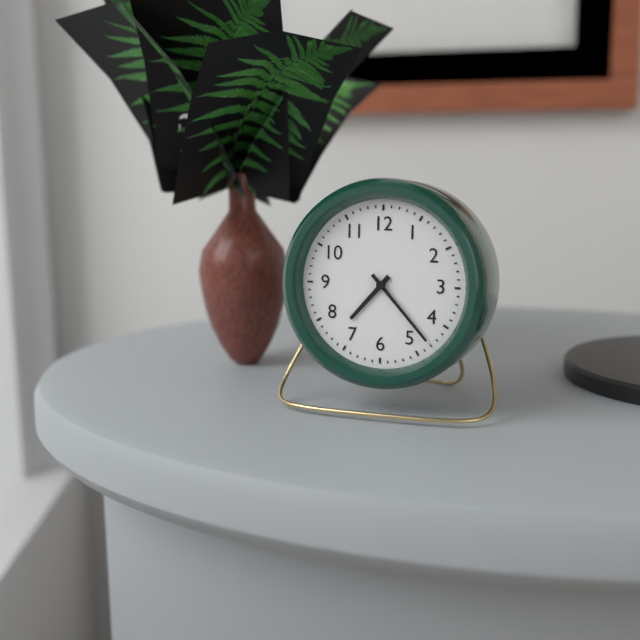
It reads **7:23**
